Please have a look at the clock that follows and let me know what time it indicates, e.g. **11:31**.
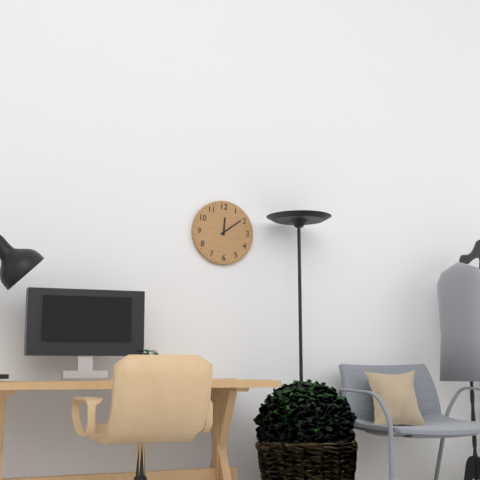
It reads **12:09**
